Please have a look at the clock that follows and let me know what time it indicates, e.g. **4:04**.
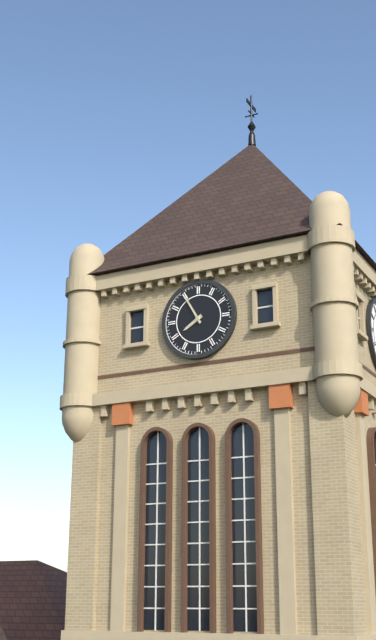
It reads **7:55**
